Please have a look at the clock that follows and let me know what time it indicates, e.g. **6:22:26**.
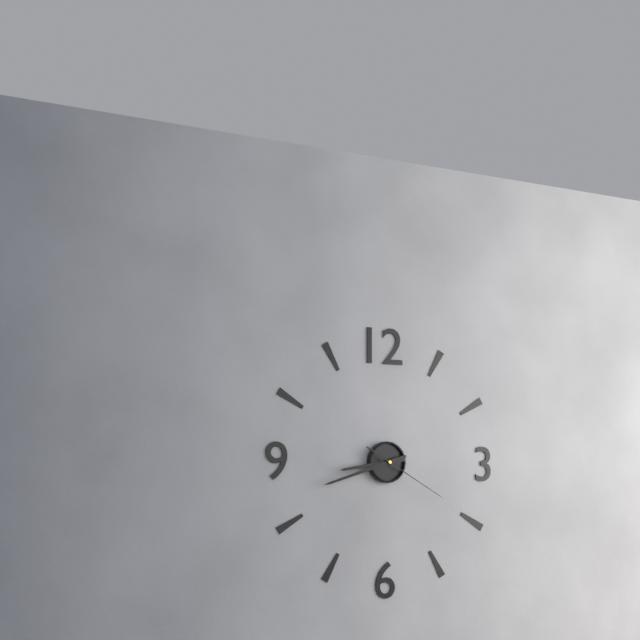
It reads **8:42:20**
